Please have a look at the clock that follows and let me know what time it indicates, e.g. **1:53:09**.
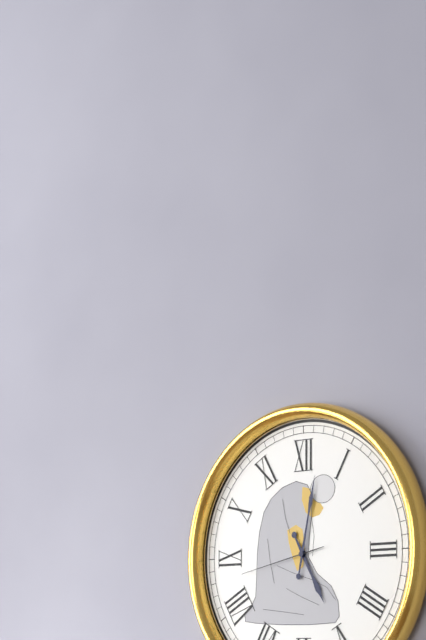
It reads **5:02:43**
